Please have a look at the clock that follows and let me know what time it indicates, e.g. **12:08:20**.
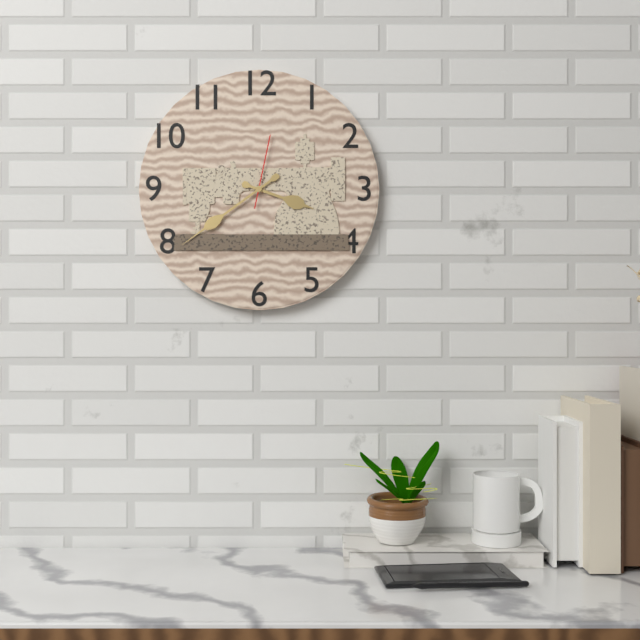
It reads **3:39:02**
